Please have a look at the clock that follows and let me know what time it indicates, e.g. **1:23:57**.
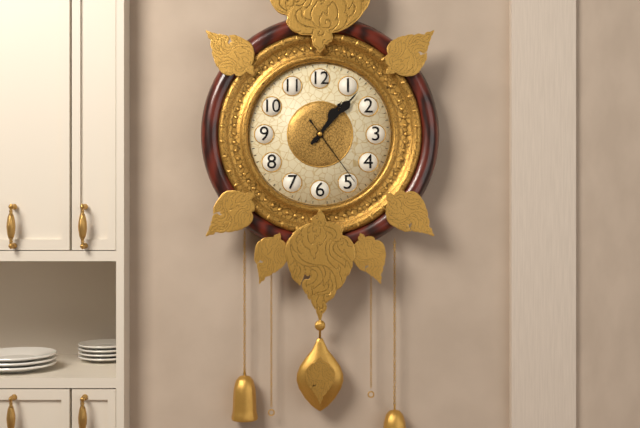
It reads **1:07:24**
